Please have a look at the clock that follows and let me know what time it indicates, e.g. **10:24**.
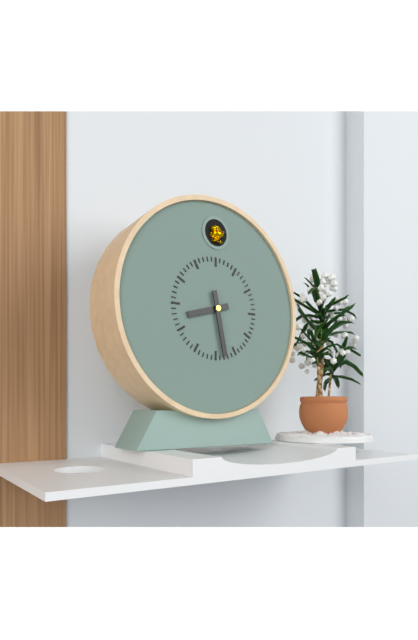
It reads **8:28**
